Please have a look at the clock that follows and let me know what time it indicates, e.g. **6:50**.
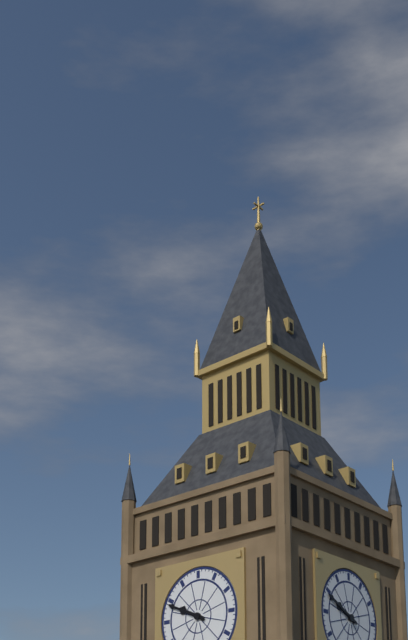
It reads **9:49**
